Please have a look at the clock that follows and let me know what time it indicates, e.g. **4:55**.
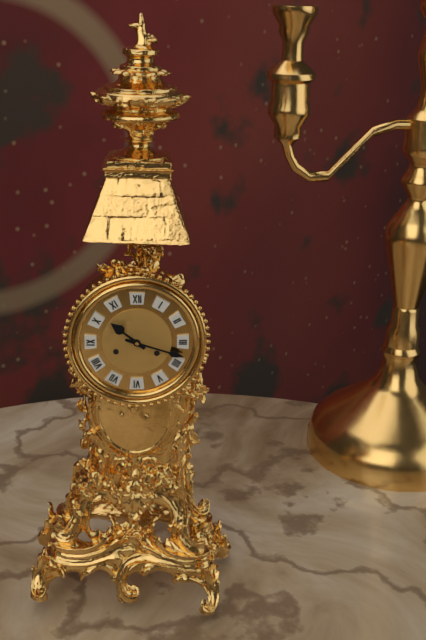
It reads **10:18**
